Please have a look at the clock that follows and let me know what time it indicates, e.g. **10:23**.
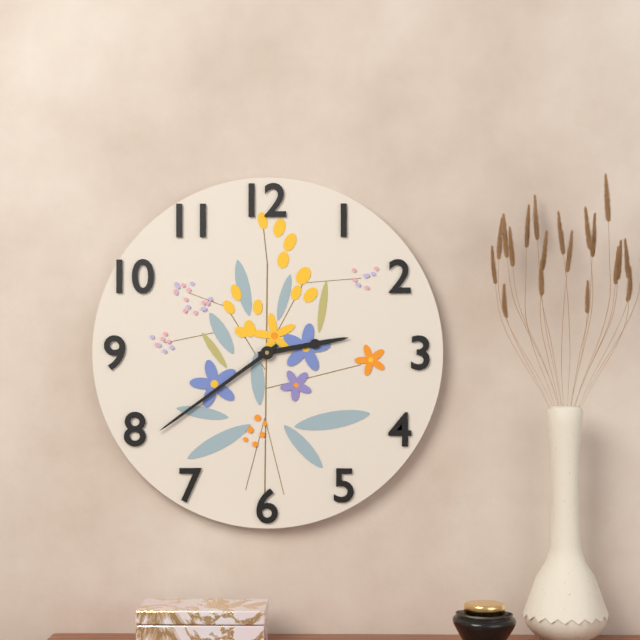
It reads **2:39**
